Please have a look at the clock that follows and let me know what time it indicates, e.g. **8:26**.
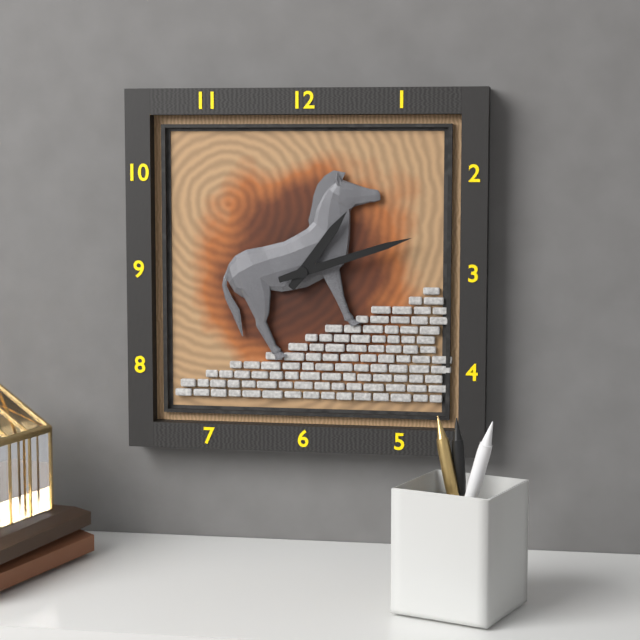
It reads **1:12**
